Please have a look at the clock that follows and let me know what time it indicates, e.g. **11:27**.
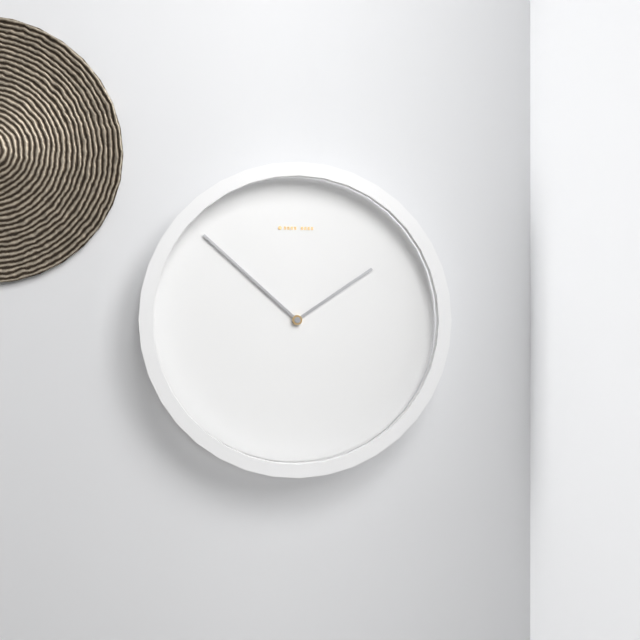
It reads **1:52**
